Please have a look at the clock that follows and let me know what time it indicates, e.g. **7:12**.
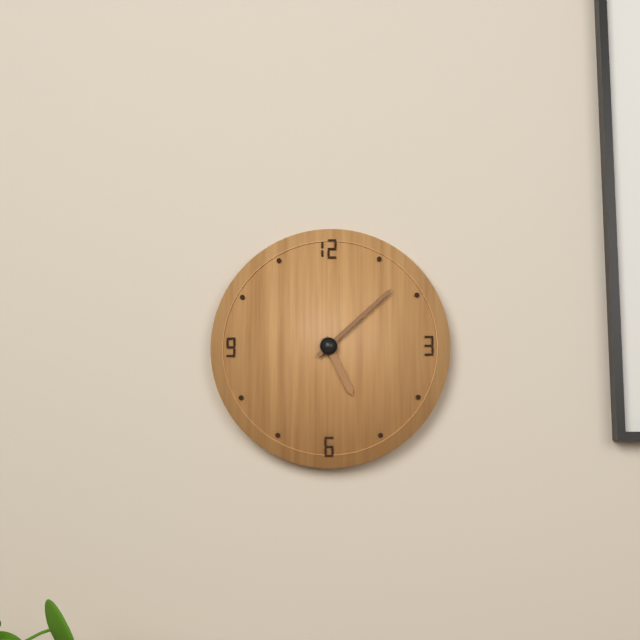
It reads **5:08**
